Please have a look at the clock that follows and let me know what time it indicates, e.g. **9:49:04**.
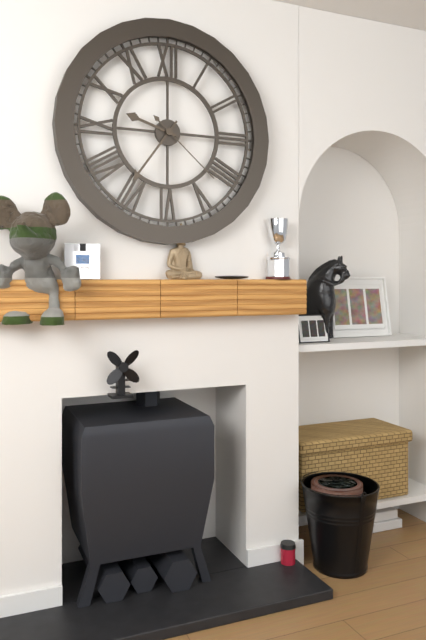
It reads **9:36:22**
